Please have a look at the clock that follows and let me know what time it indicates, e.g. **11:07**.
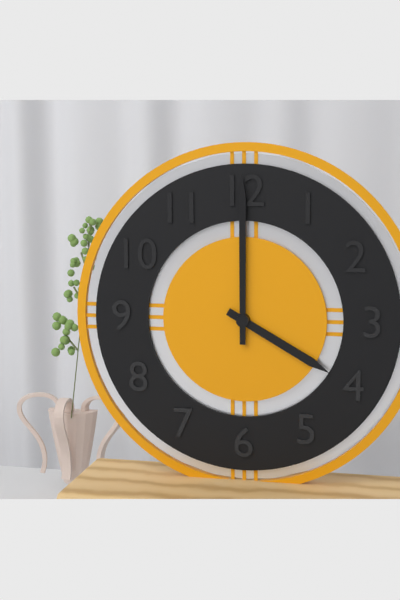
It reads **4:00**
